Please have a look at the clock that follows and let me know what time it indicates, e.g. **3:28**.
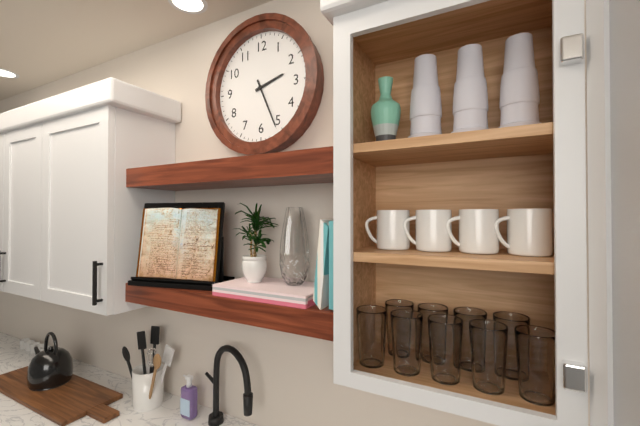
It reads **2:26**
